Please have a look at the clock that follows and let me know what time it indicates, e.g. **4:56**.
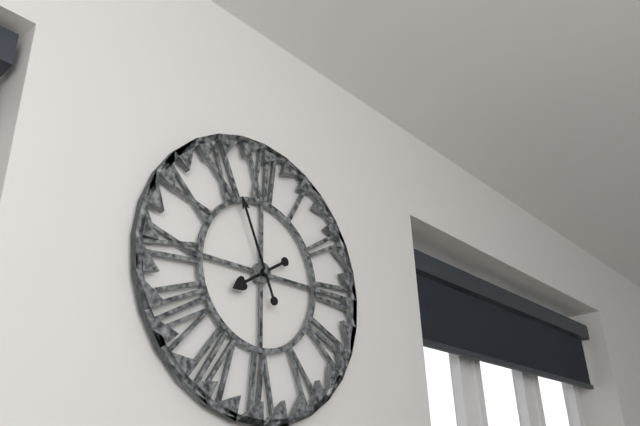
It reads **7:56**
